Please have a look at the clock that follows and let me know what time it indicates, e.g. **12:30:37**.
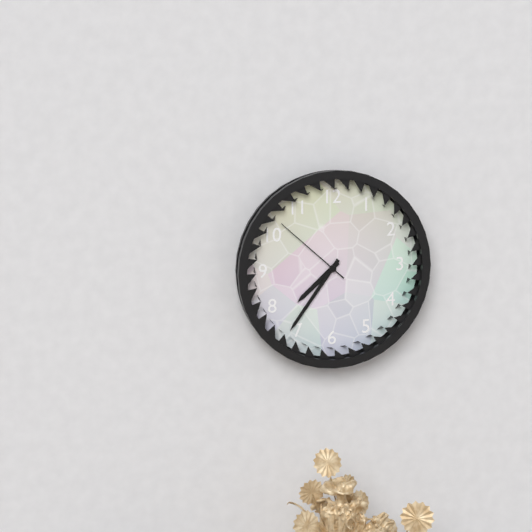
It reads **7:36:52**
